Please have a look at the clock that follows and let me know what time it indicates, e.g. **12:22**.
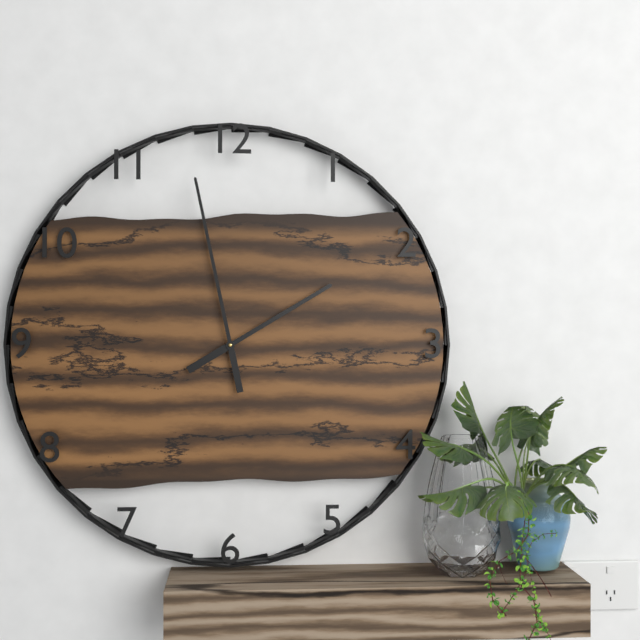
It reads **1:58**
